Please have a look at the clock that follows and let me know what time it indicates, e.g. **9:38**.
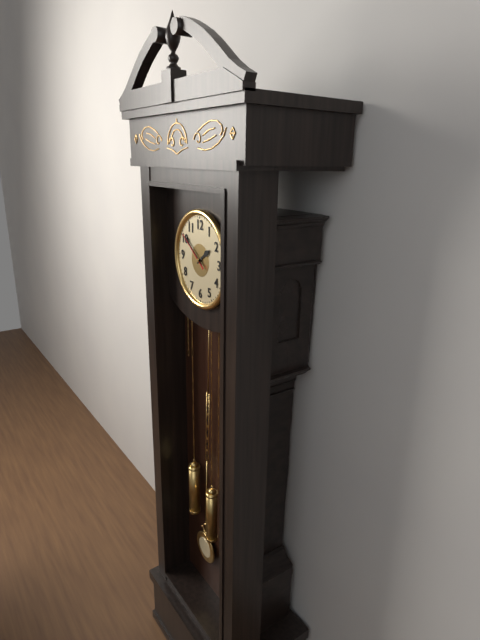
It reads **1:51**
